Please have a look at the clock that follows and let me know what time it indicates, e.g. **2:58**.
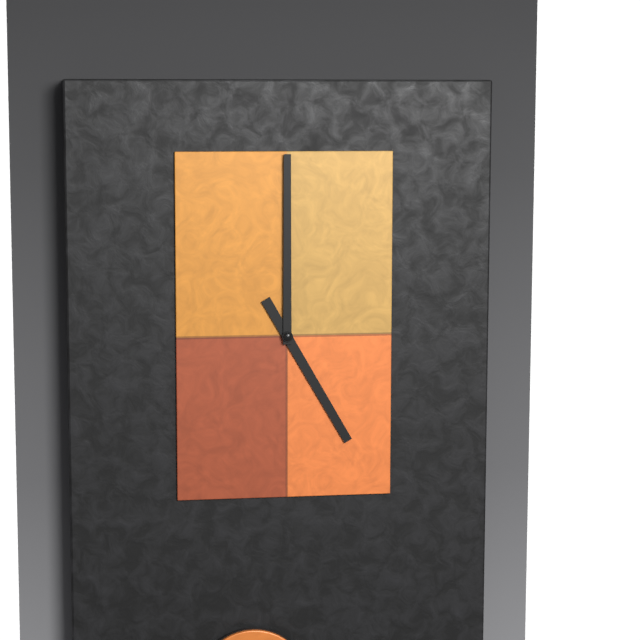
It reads **5:00**
